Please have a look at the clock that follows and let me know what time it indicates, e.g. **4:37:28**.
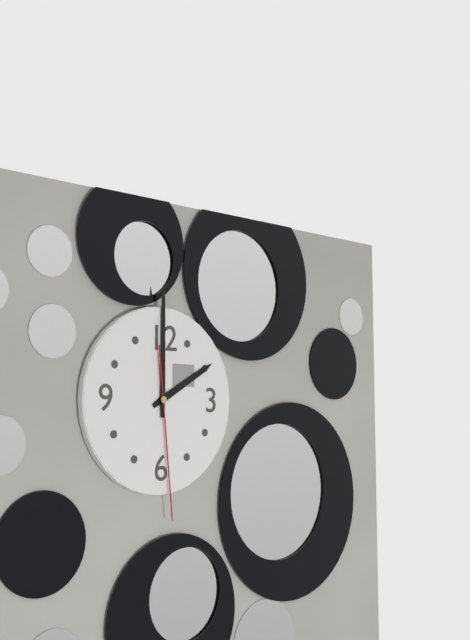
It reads **2:00:29**
